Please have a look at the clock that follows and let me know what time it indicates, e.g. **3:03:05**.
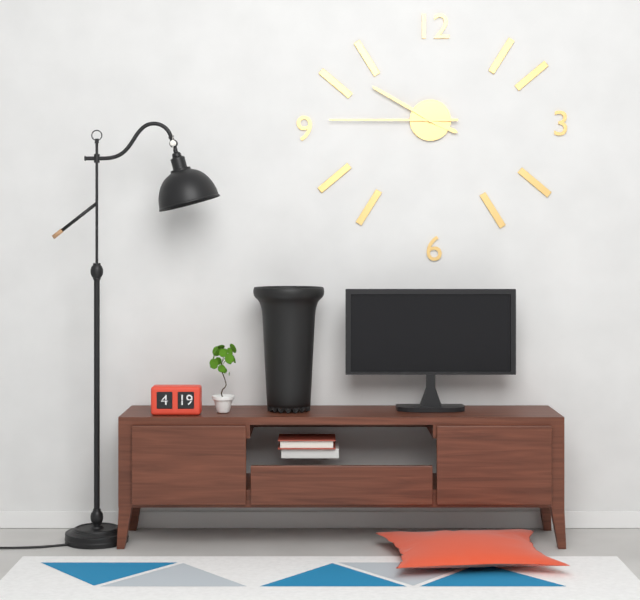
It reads **3:50:45**
